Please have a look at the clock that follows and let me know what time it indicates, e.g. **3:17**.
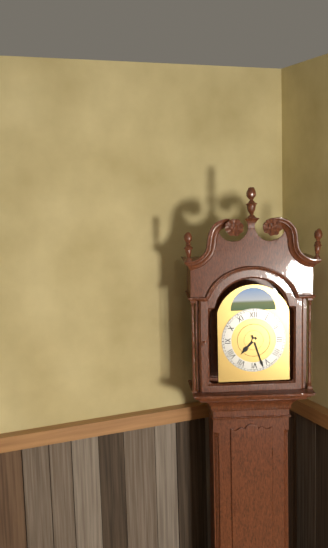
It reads **7:27**
